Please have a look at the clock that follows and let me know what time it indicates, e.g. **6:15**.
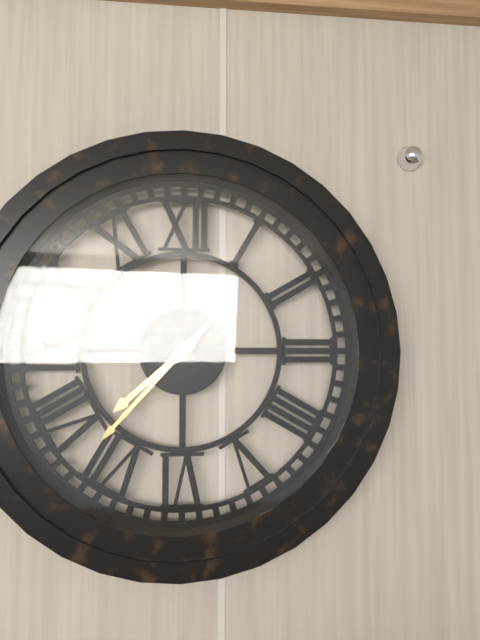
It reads **7:37**
